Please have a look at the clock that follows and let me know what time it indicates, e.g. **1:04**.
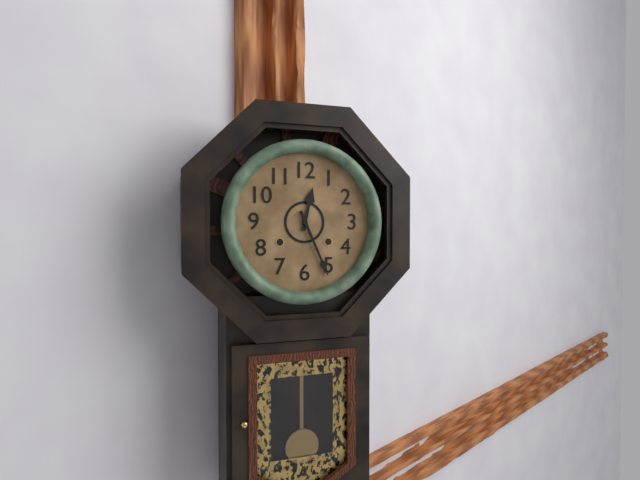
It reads **12:26**
